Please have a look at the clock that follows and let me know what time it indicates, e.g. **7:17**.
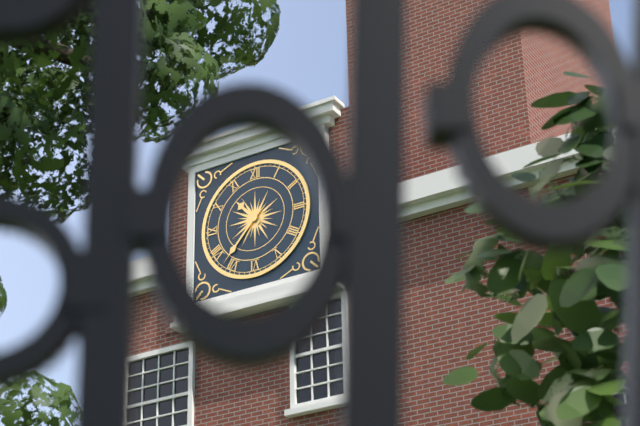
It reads **10:37**
